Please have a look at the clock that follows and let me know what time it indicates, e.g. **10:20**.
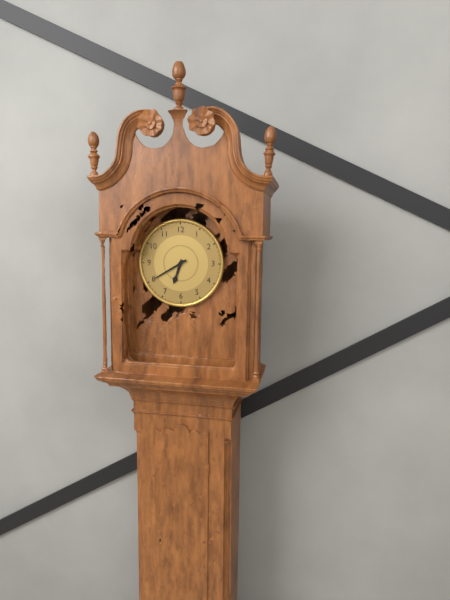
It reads **6:40**
